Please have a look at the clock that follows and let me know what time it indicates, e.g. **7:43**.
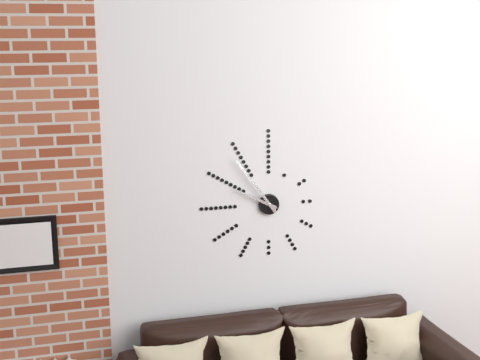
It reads **9:54**
